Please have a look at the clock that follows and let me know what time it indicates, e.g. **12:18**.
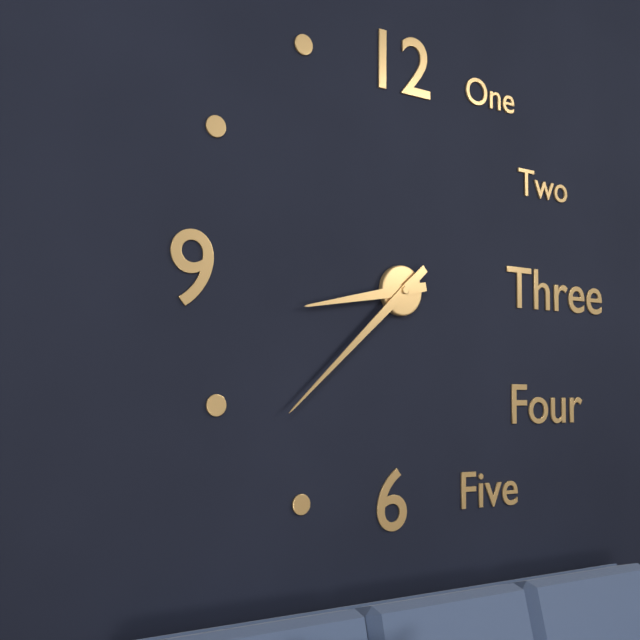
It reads **8:38**
